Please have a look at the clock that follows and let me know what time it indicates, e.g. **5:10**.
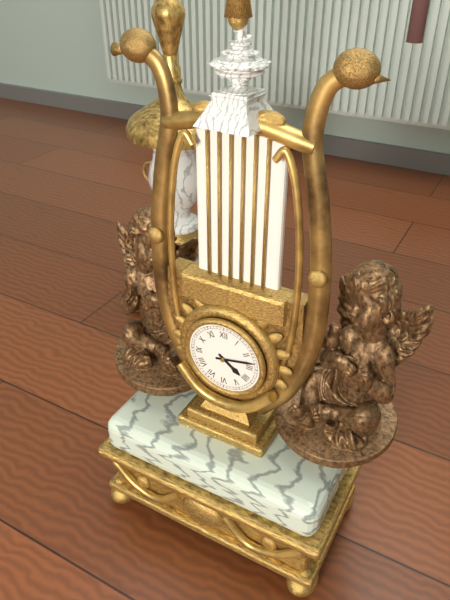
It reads **4:13**
